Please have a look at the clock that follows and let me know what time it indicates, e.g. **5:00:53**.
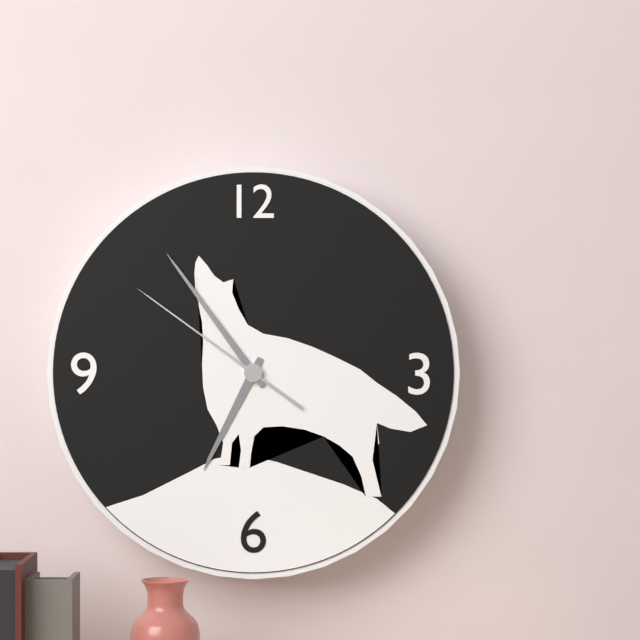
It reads **6:54:51**
